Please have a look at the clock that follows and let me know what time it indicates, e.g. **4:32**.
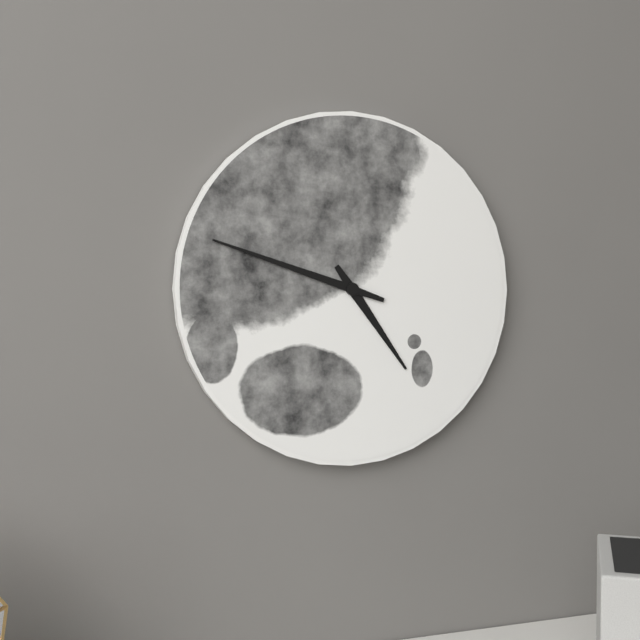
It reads **4:48**
